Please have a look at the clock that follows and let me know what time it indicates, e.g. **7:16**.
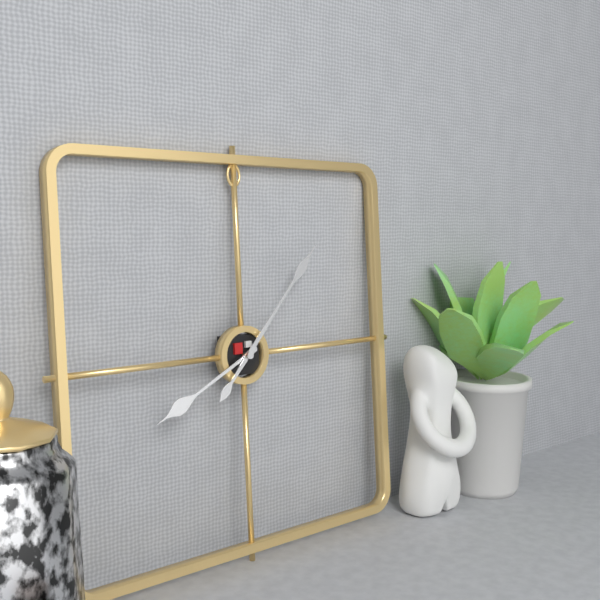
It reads **8:07**
